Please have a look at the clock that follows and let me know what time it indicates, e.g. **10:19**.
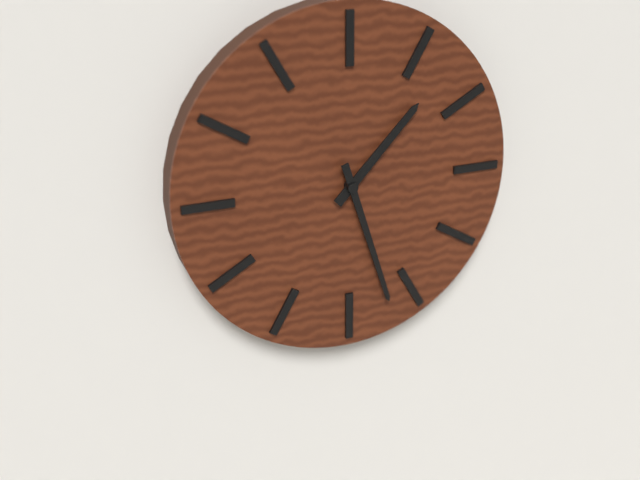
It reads **1:27**
